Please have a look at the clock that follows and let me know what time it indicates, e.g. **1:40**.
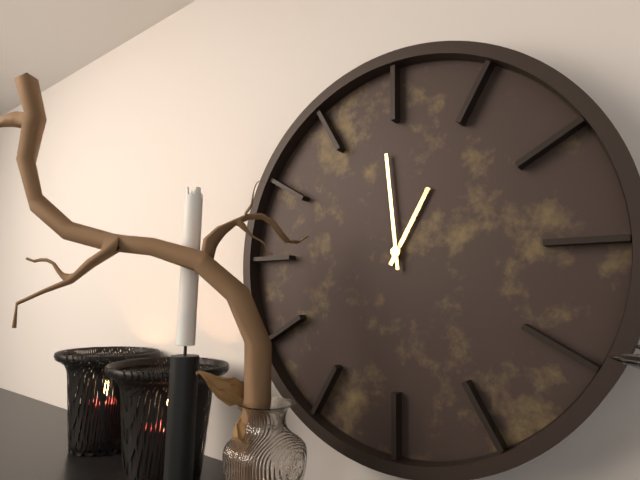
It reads **12:59**
